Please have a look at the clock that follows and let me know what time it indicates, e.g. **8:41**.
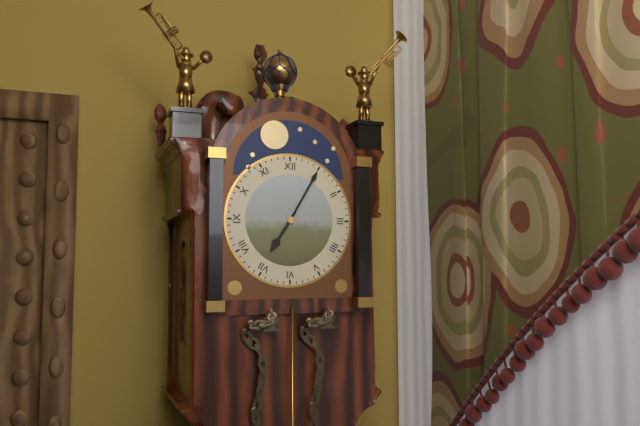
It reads **7:05**
